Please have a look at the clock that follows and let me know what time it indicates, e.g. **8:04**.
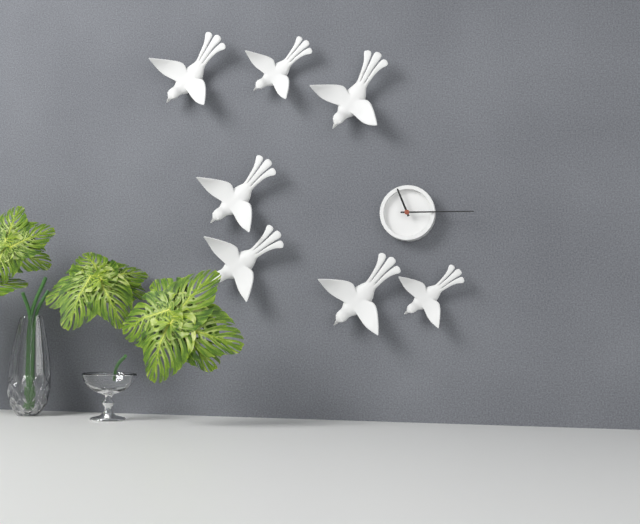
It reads **11:15**
